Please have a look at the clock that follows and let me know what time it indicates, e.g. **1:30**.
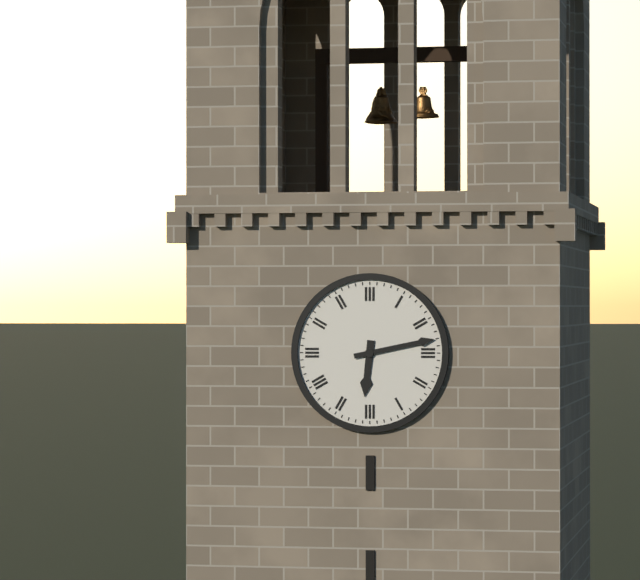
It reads **6:13**
